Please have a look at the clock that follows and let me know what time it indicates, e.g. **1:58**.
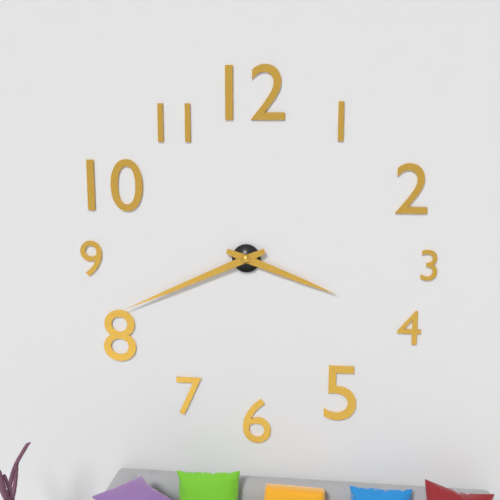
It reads **3:41**
